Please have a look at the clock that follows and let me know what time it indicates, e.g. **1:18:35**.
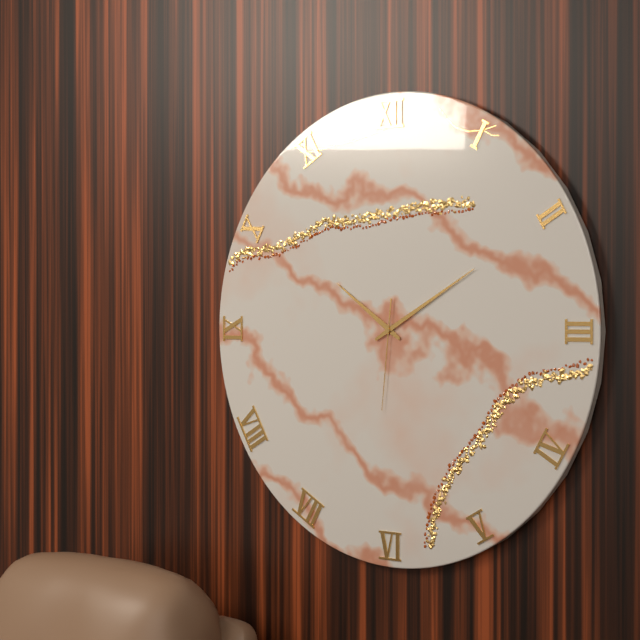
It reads **10:10:31**
